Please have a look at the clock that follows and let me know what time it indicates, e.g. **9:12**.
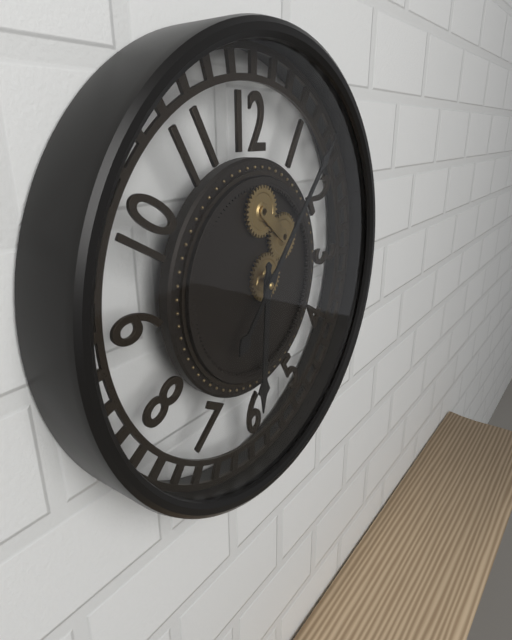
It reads **6:07**
